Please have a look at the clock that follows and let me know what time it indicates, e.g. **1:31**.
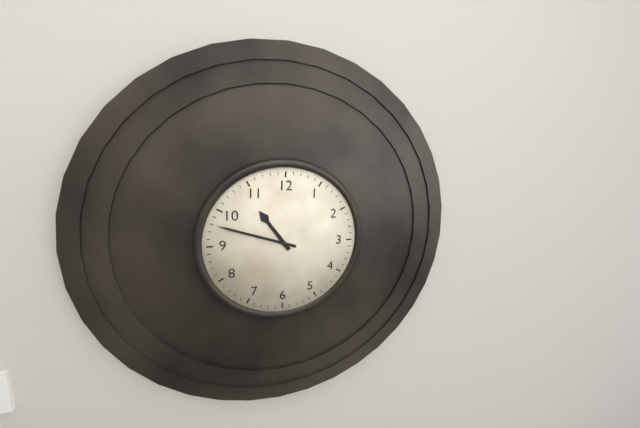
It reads **10:48**
